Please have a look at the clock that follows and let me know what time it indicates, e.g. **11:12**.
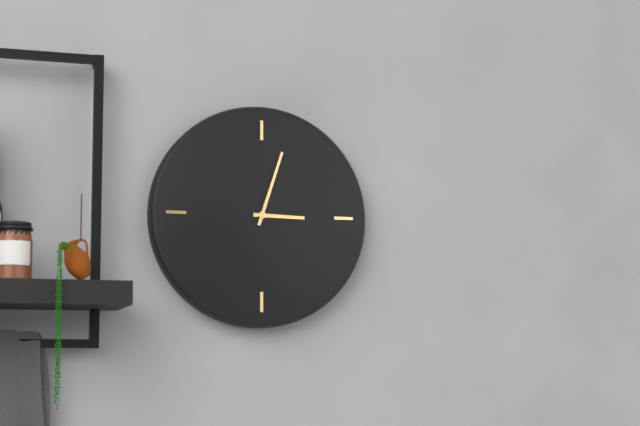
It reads **3:03**
